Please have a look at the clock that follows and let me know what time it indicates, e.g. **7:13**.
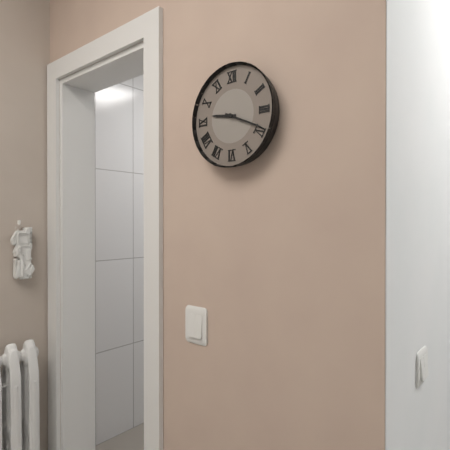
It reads **9:19**
